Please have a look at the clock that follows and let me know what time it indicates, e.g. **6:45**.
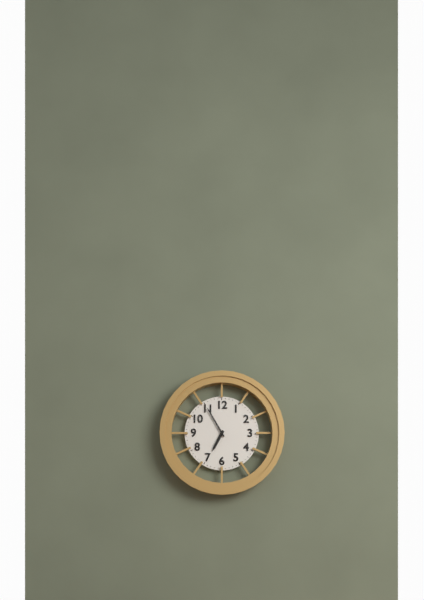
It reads **6:55**
